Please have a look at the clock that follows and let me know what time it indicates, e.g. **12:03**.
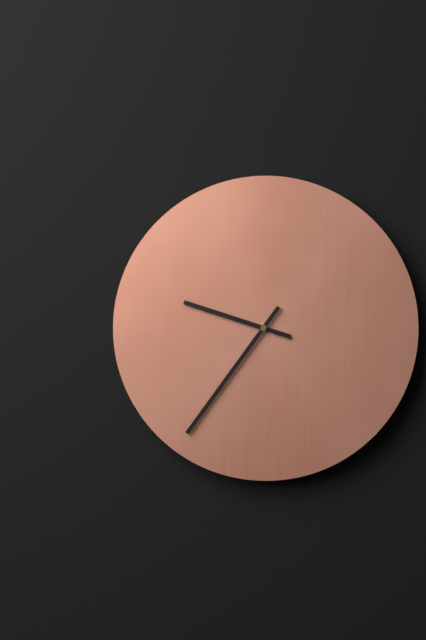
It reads **9:36**
